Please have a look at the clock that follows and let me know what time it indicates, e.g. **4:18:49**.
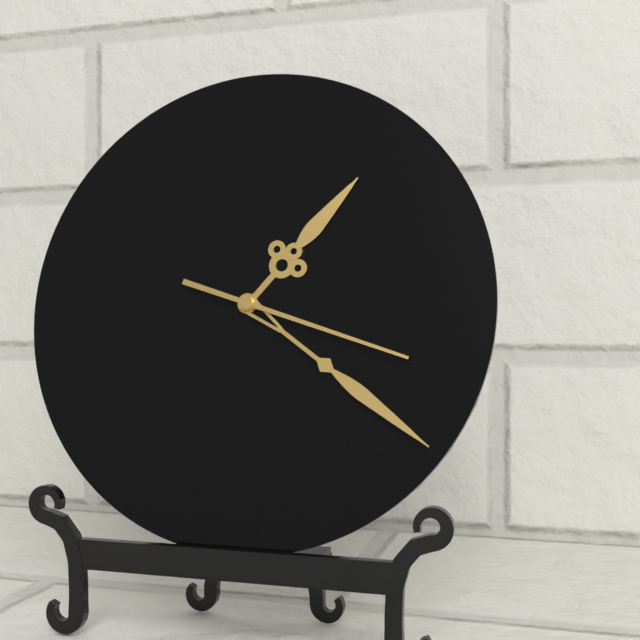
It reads **1:21:18**
